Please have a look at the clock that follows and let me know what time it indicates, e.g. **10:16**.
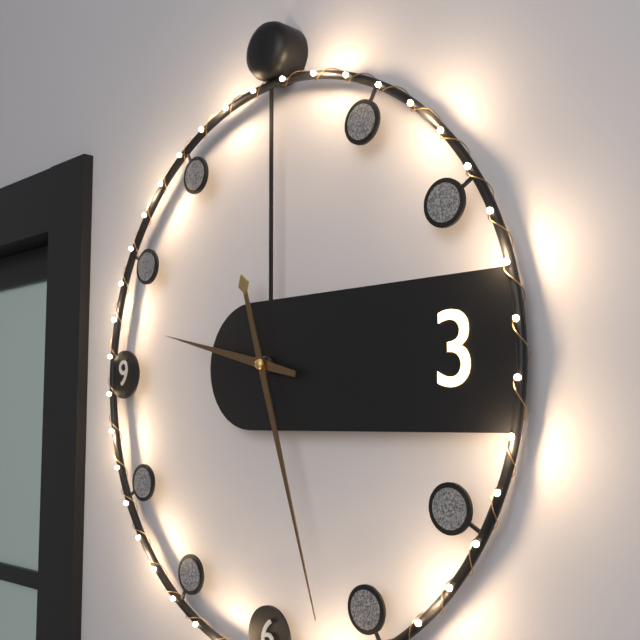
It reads **9:27**
